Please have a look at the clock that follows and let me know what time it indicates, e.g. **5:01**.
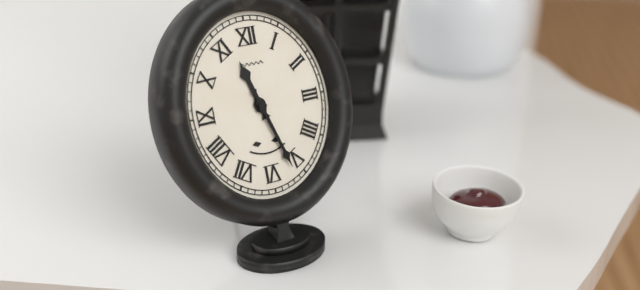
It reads **11:27**
